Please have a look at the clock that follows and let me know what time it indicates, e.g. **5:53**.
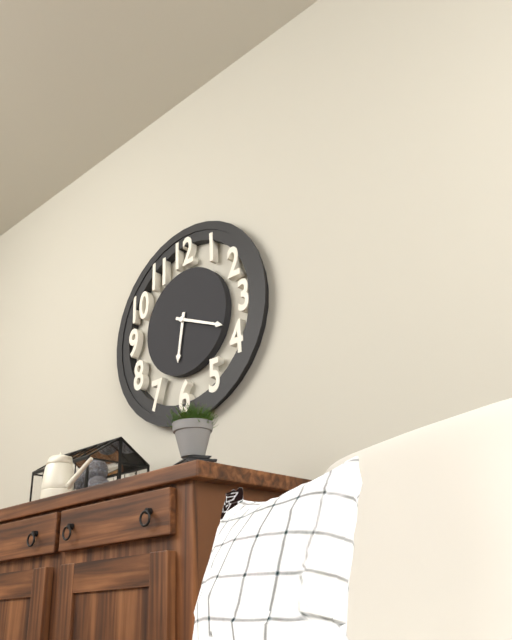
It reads **6:19**
